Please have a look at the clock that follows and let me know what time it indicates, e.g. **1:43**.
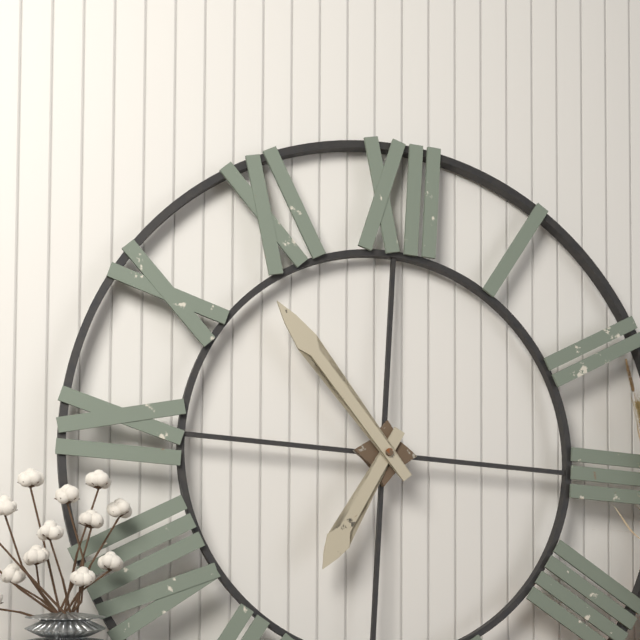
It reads **6:53**
